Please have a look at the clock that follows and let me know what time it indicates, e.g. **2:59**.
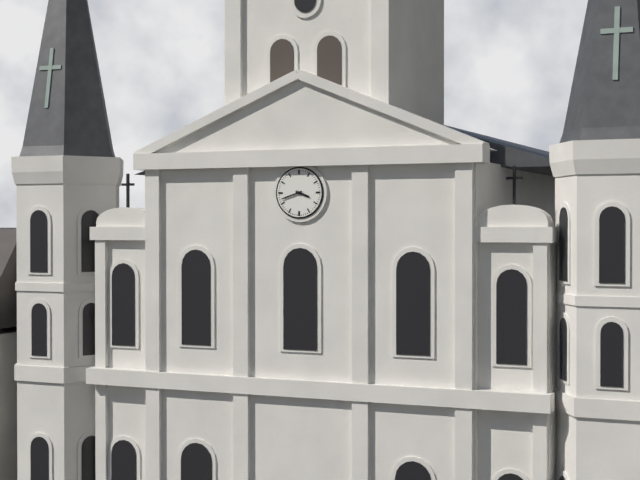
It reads **3:42**
